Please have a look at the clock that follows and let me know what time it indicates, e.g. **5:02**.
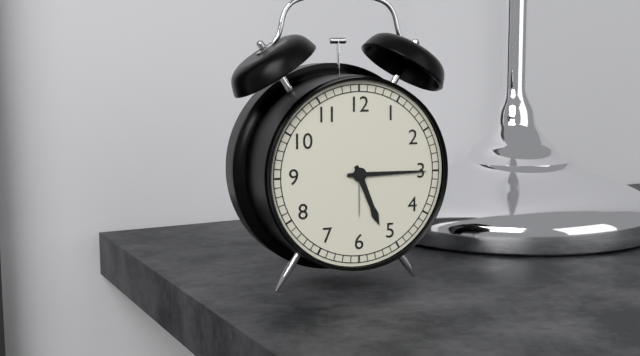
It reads **5:15**
